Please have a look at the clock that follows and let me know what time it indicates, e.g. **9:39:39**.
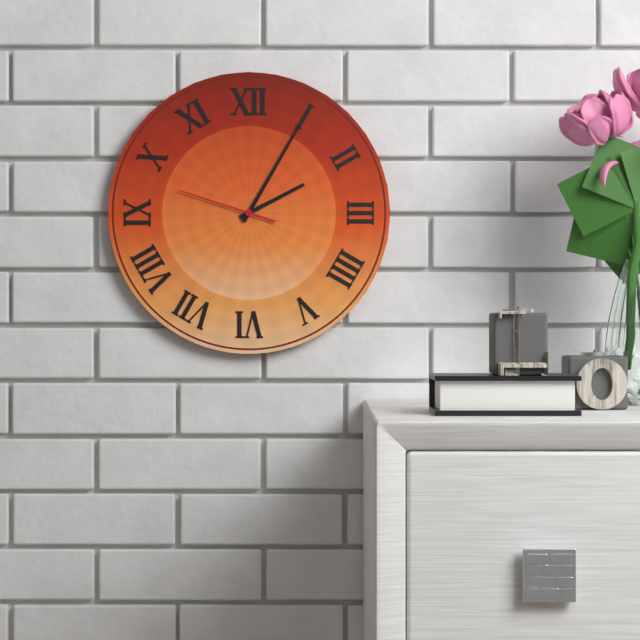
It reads **2:05:48**
